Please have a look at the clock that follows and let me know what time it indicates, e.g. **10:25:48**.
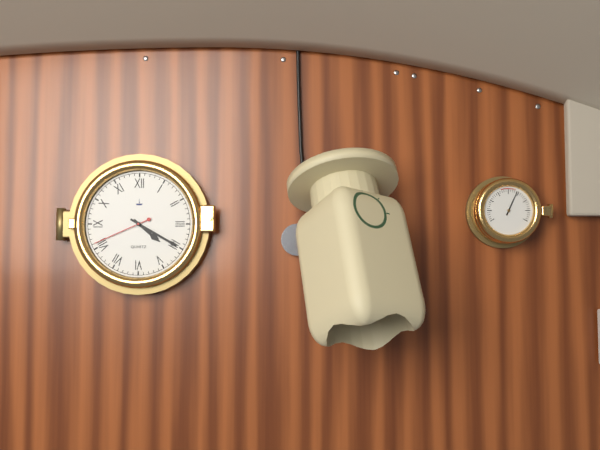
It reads **4:20:41**
